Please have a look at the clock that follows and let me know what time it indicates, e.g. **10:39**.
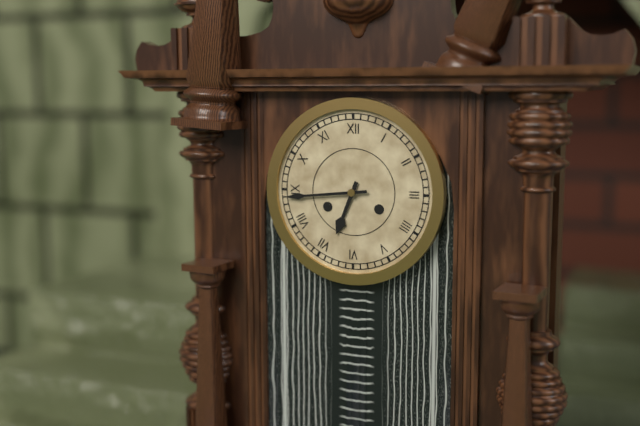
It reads **6:44**
